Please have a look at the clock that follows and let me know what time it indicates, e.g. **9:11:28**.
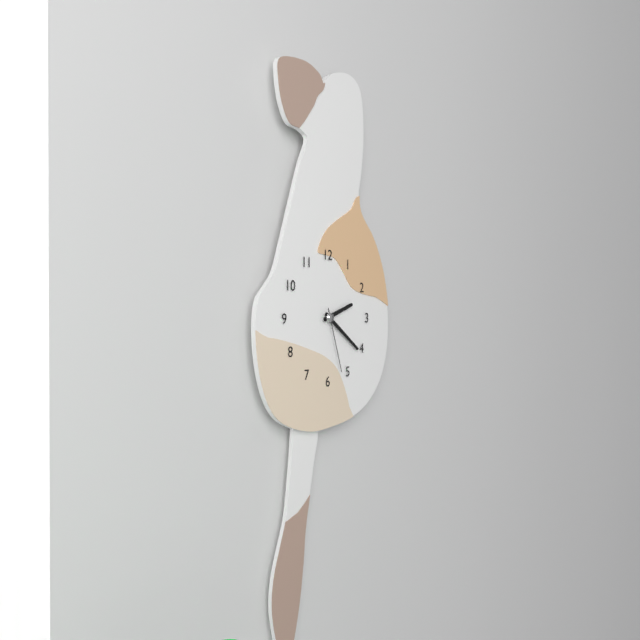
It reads **2:21:27**
